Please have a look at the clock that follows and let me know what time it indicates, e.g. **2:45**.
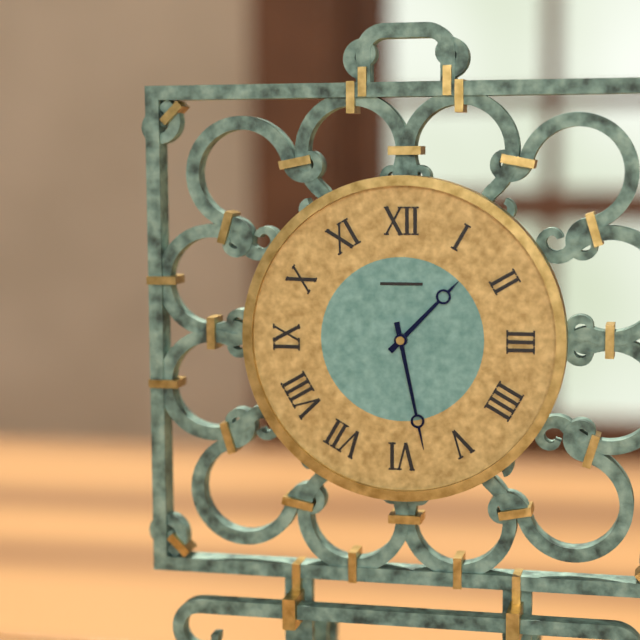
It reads **1:28**
